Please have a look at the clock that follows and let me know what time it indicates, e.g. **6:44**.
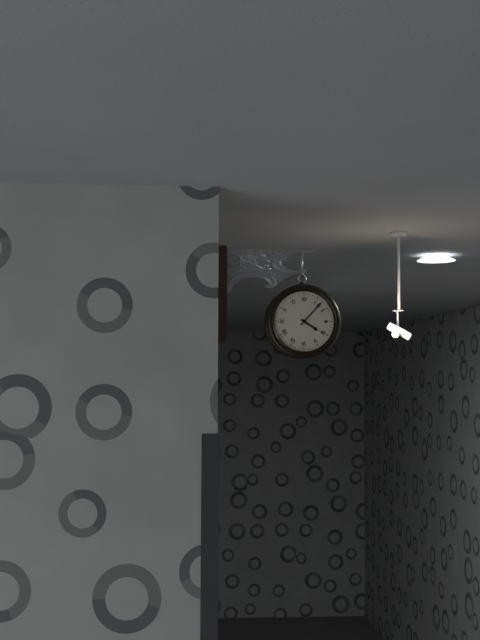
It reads **4:07**
